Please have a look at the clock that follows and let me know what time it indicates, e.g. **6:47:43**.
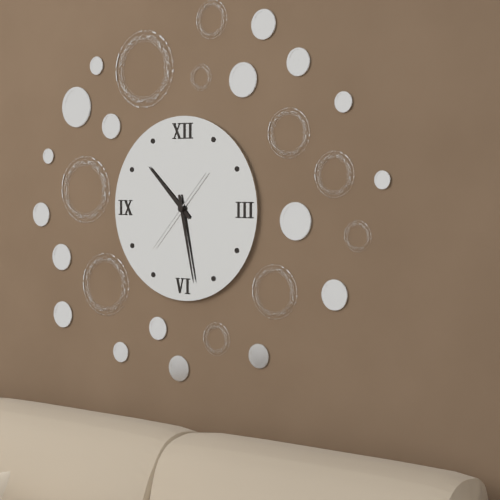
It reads **10:28:37**
